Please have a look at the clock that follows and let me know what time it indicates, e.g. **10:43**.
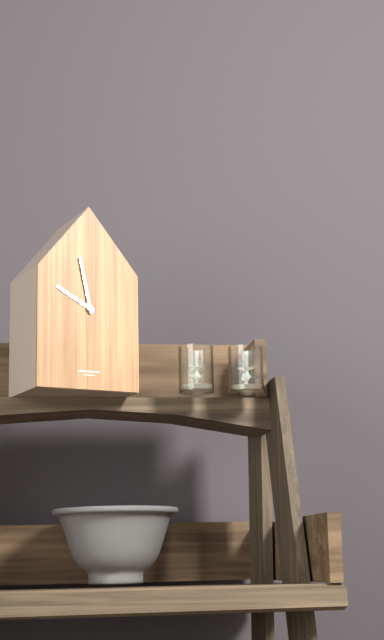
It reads **9:58**
